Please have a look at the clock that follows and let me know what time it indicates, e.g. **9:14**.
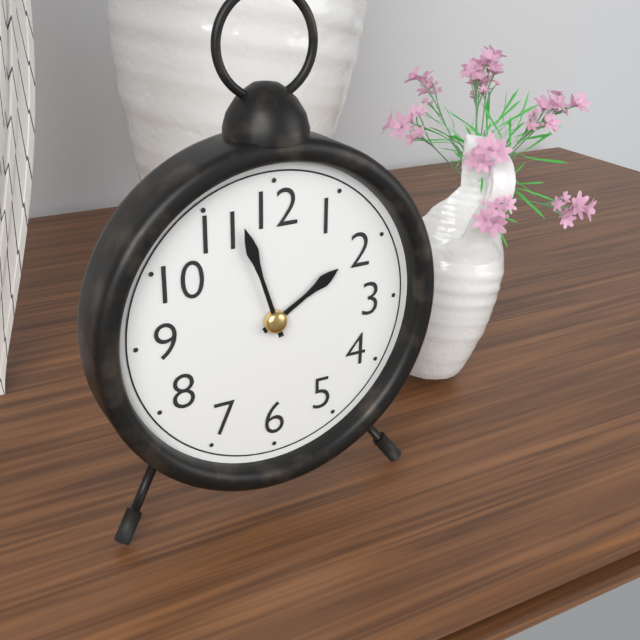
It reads **1:57**
